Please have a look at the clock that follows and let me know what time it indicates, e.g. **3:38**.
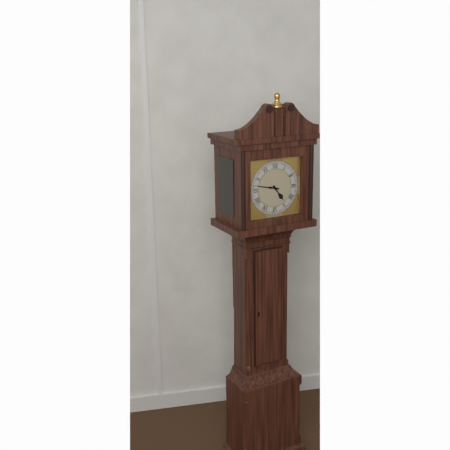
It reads **4:47**
